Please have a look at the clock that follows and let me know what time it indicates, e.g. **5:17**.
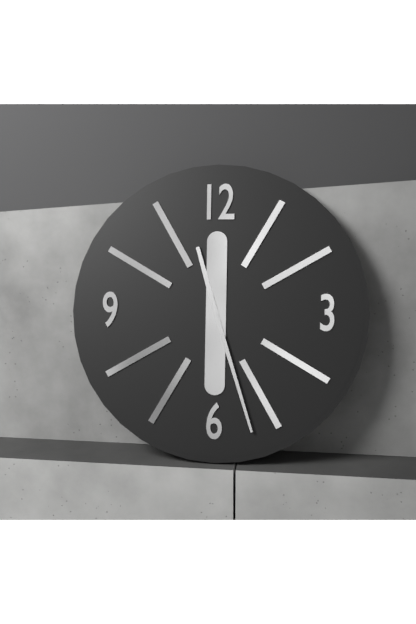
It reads **11:27**
